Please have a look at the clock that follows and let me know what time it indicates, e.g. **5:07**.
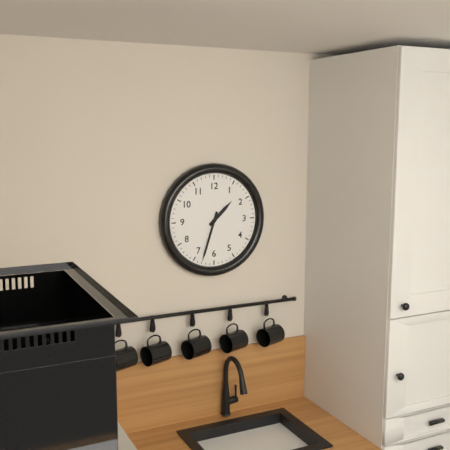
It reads **1:33**
